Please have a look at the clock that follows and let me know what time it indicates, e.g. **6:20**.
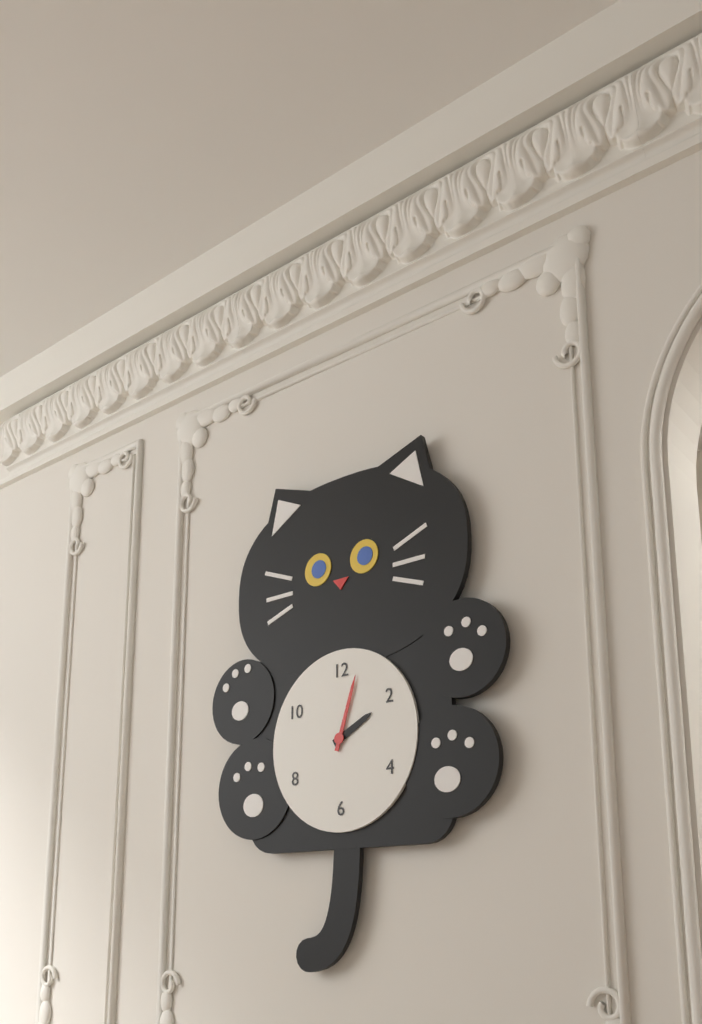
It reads **2:03**
